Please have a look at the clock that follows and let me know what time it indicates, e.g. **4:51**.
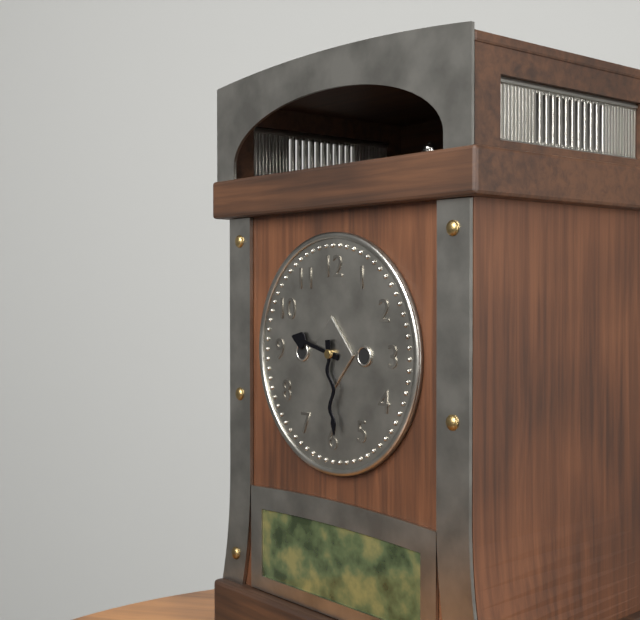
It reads **9:29**
